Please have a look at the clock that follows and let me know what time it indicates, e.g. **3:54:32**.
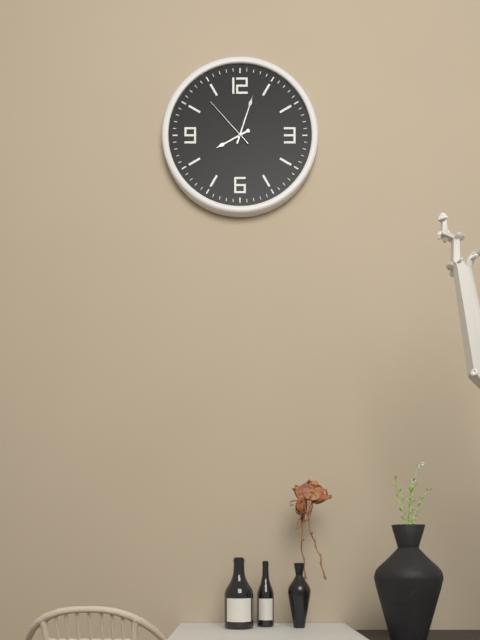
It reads **8:03:53**
